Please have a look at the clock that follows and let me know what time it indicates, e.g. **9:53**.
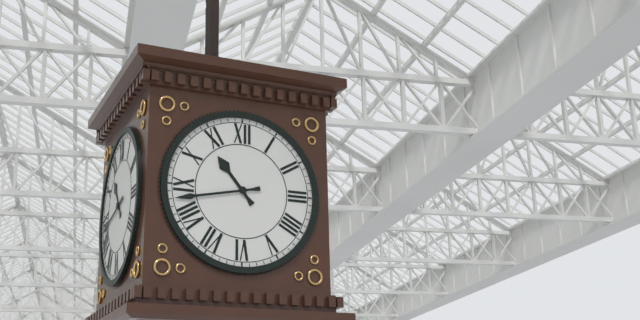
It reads **10:43**
